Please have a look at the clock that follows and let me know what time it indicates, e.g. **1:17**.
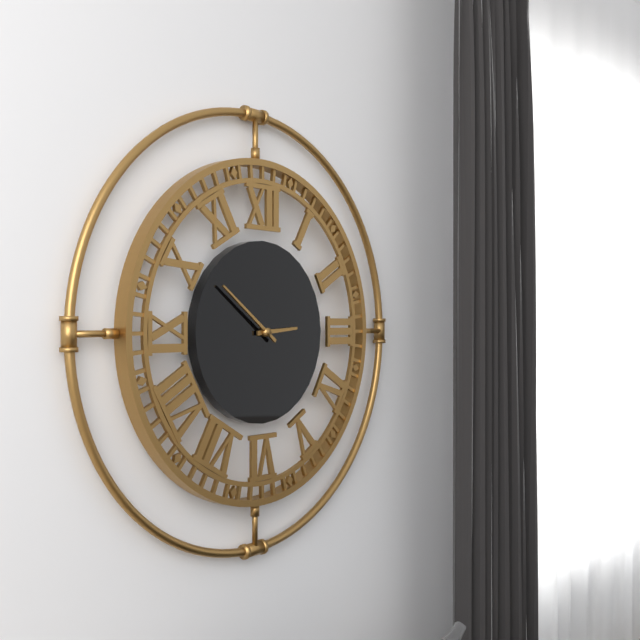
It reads **2:51**
